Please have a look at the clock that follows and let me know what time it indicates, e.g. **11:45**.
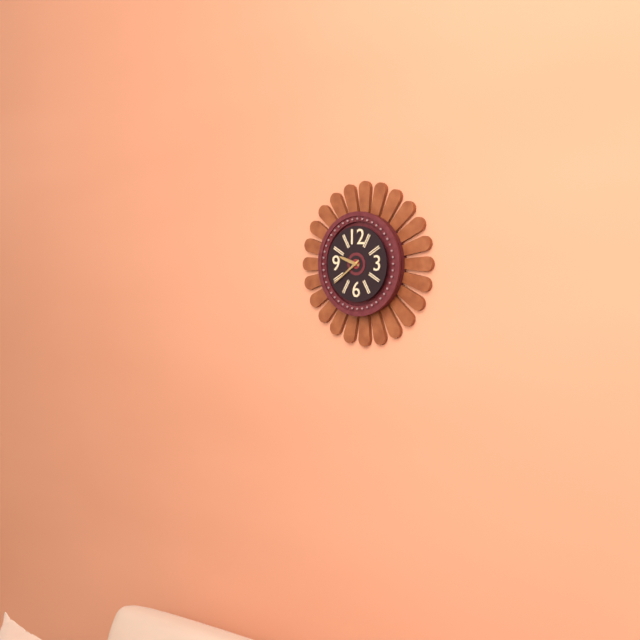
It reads **9:39**
